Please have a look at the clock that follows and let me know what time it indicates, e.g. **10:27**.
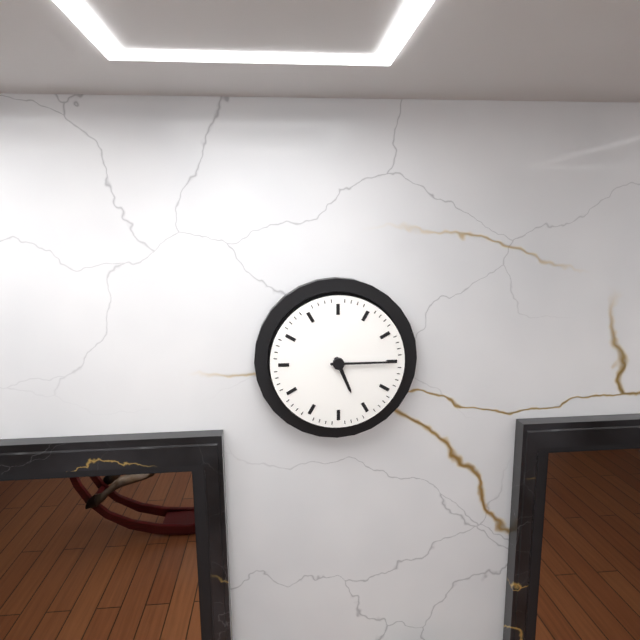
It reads **5:15**
